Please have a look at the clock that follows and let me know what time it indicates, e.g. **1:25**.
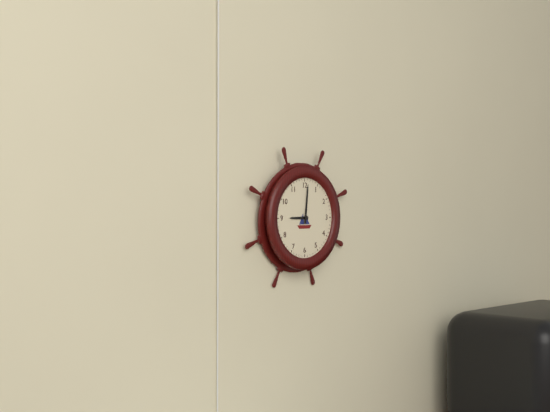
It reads **9:01**
